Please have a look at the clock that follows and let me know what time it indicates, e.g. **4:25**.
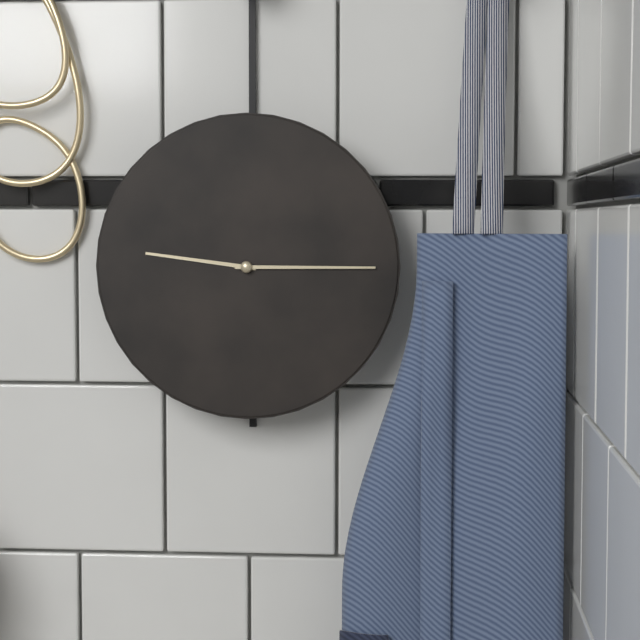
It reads **9:15**
